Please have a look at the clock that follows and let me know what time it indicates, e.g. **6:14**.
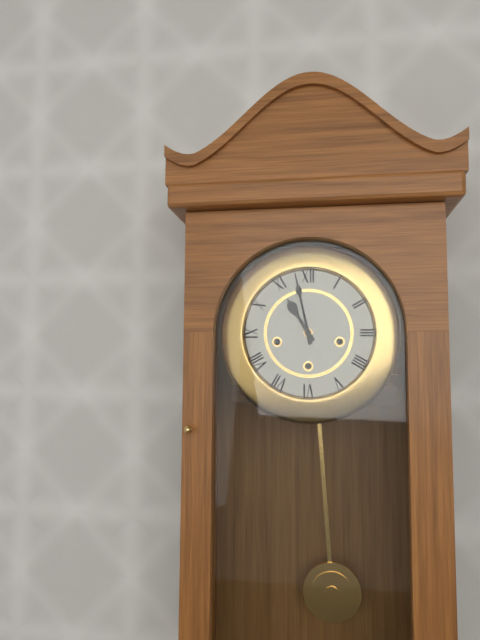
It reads **10:58**
